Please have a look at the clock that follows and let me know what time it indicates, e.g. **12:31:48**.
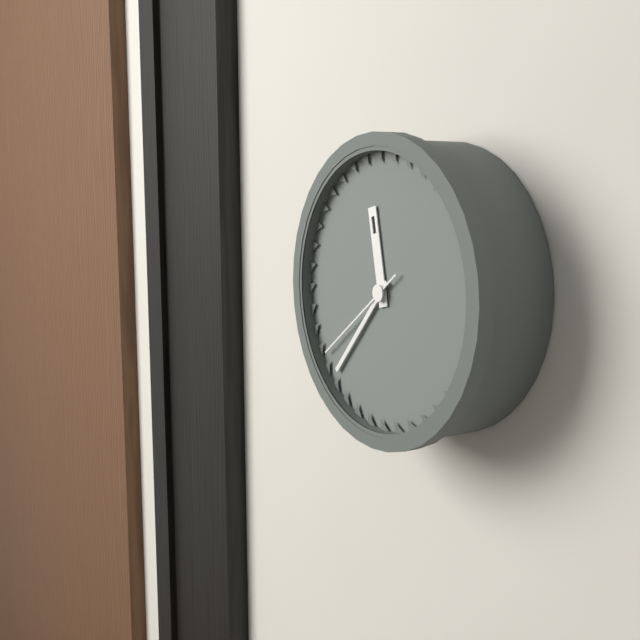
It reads **11:37:39**
